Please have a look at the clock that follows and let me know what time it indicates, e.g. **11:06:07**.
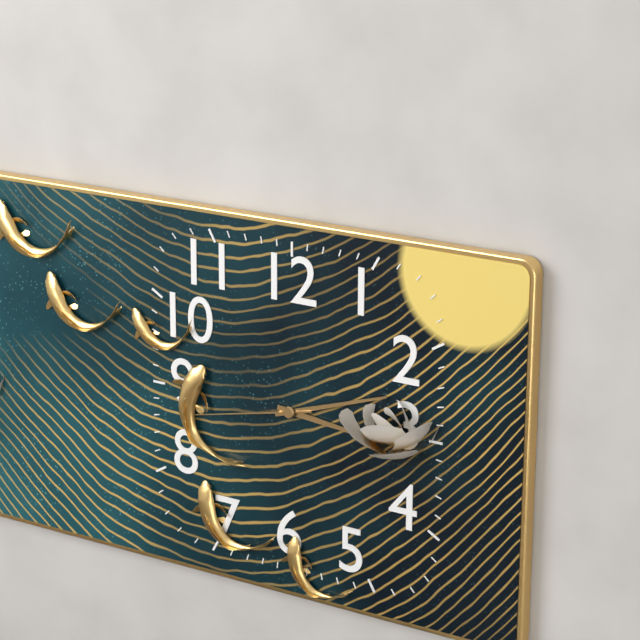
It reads **3:12:43**
